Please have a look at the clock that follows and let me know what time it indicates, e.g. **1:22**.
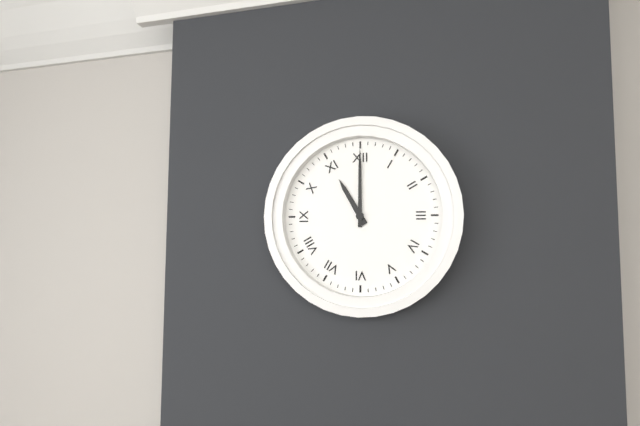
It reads **11:00**
